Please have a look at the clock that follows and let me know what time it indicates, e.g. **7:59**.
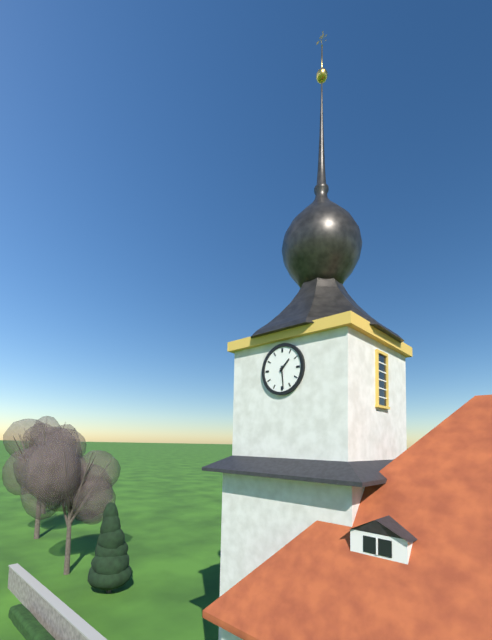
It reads **1:29**
